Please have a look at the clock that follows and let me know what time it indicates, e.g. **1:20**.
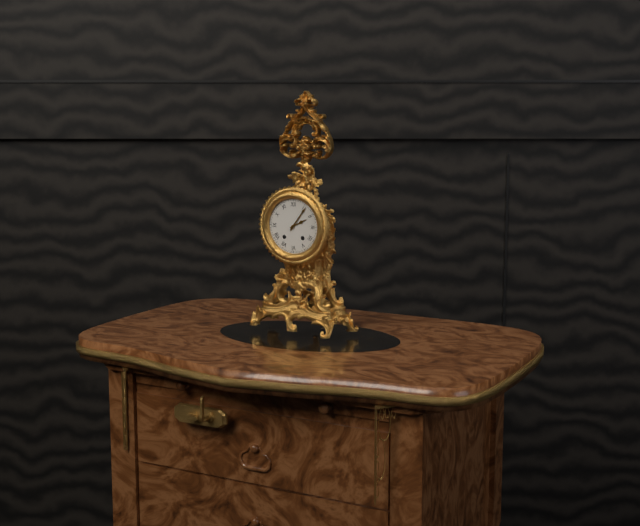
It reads **2:06**
